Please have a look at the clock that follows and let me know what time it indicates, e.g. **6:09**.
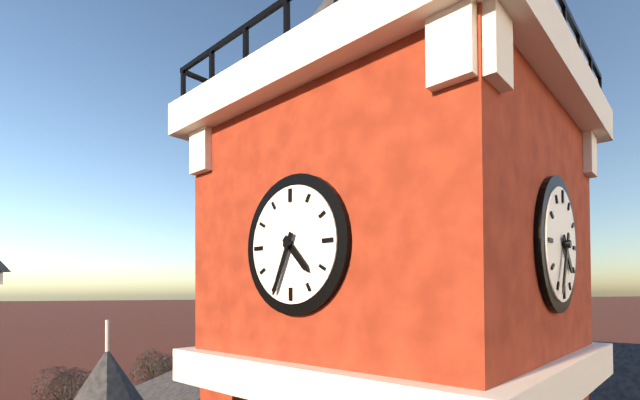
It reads **4:34**
